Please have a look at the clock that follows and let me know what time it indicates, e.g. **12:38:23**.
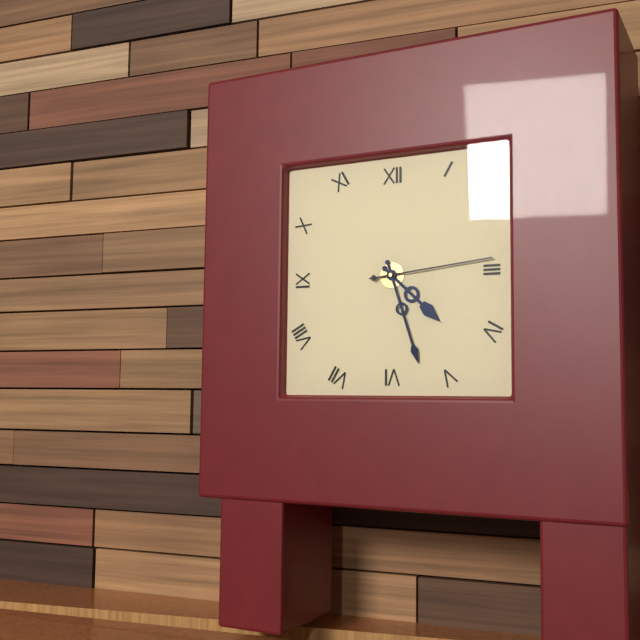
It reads **4:27:14**
